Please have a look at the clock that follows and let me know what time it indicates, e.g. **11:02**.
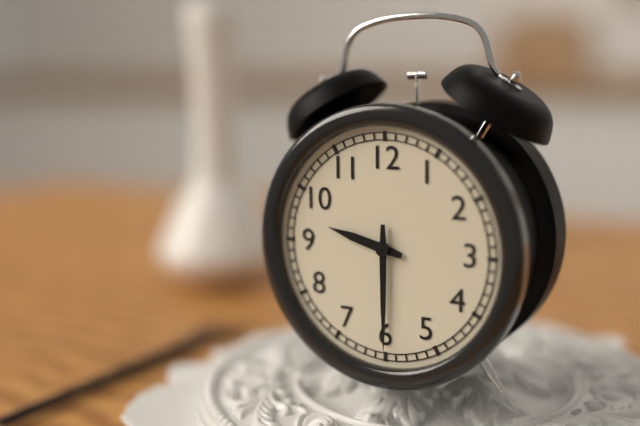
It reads **9:30**
